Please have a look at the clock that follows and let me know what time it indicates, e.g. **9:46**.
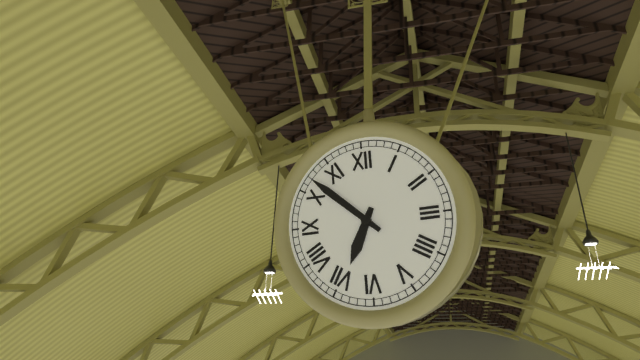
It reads **6:52**
